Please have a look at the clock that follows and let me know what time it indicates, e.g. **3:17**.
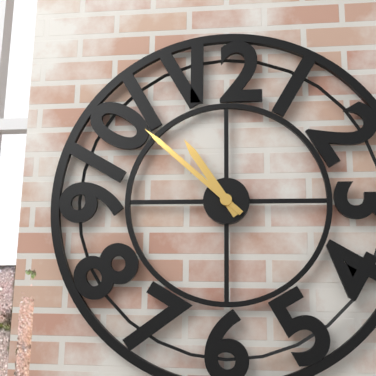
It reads **10:52**
